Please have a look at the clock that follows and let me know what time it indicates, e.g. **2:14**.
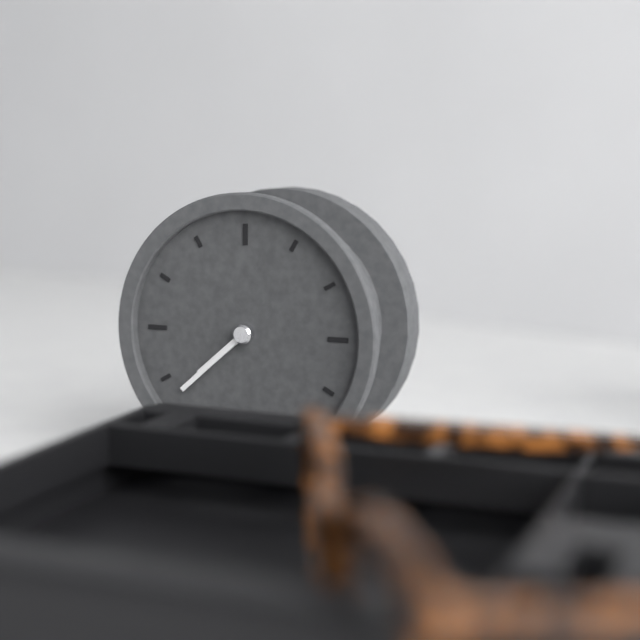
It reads **7:38**
